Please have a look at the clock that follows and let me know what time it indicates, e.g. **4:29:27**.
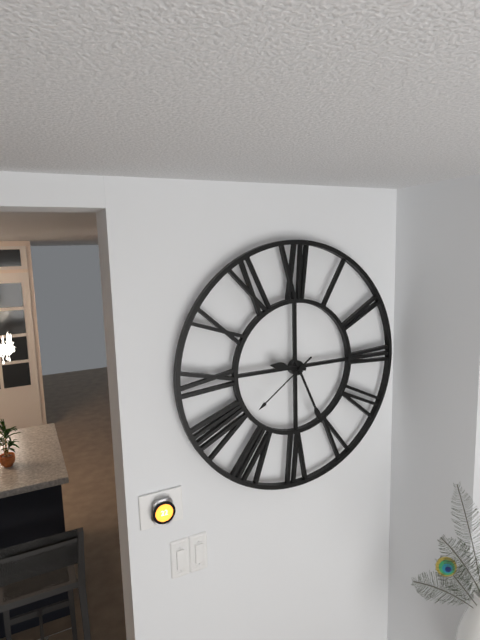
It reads **9:26:39**
